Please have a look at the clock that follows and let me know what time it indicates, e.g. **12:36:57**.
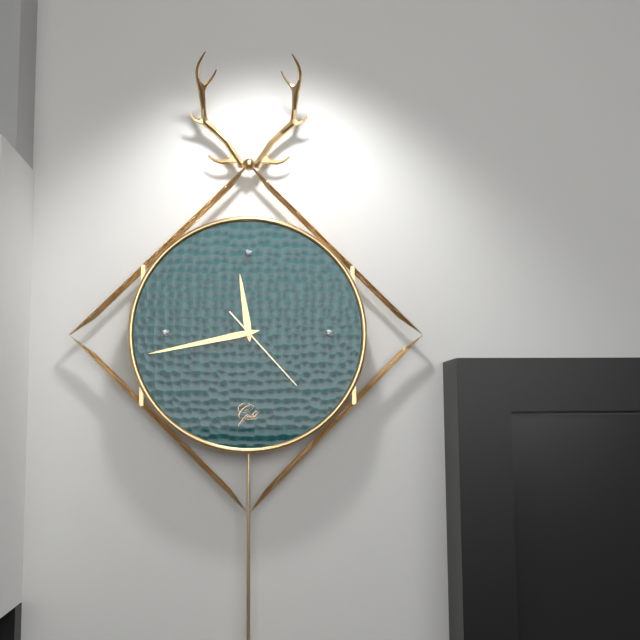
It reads **11:43:23**
